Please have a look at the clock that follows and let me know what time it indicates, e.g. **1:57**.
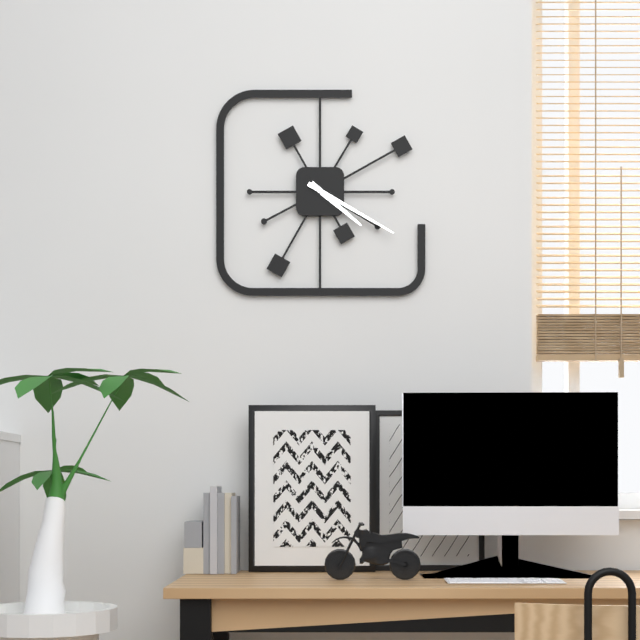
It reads **4:20**
